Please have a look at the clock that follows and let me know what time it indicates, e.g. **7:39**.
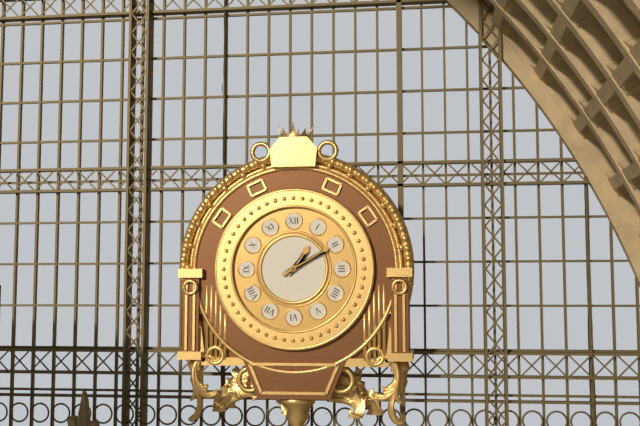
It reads **1:10**
